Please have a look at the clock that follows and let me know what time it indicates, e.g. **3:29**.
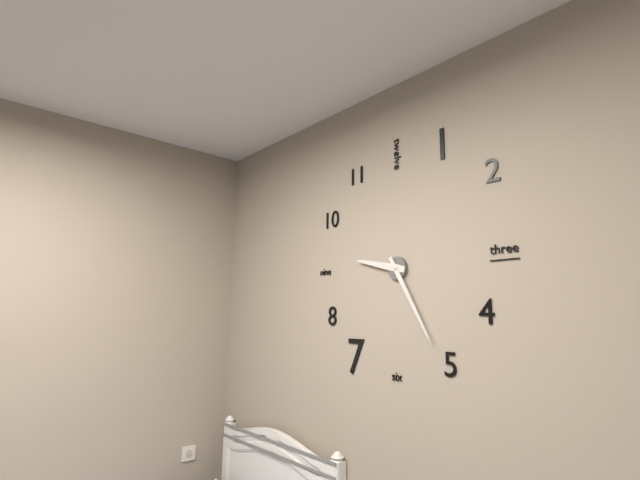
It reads **9:25**
